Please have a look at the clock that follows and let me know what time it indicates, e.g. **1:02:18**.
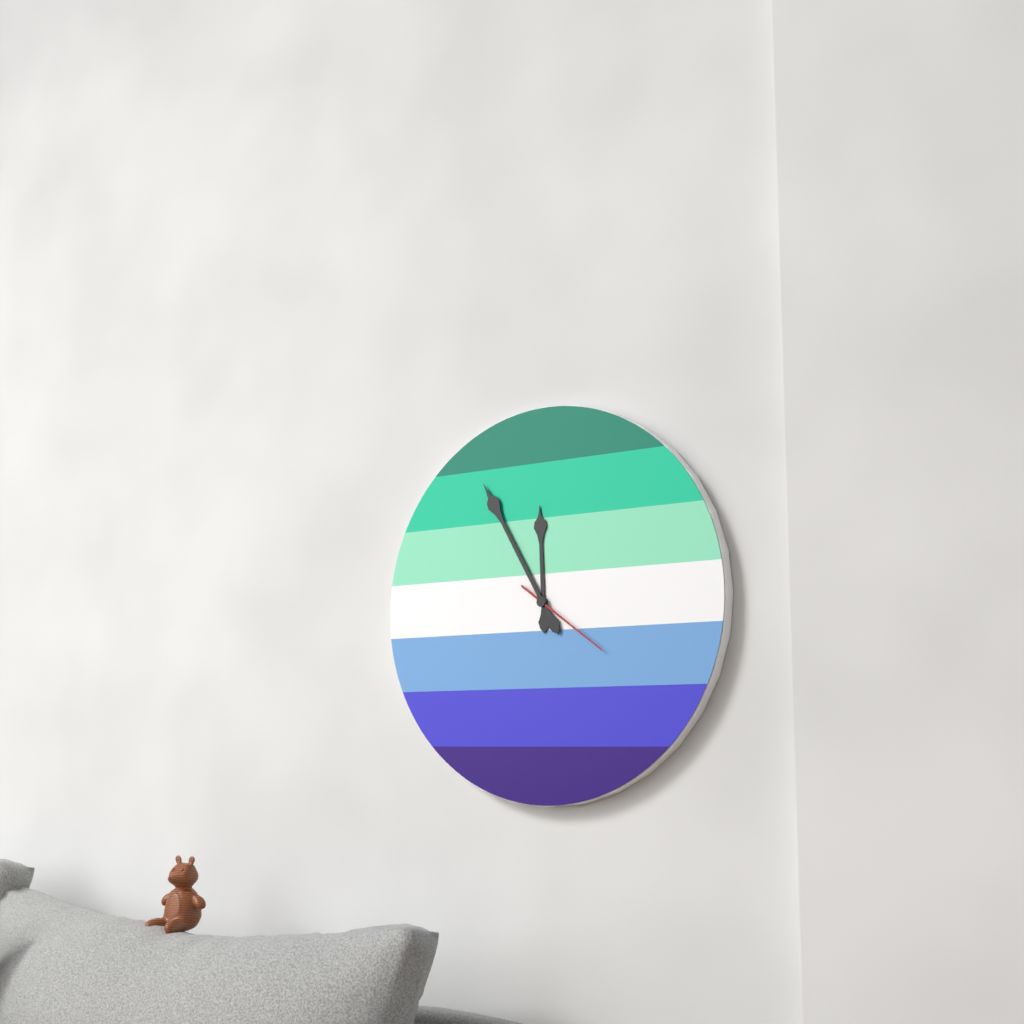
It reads **11:55:21**
